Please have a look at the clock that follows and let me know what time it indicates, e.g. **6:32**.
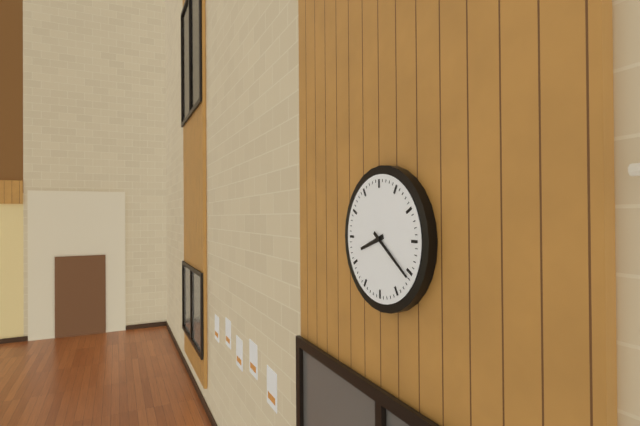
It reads **8:21**
